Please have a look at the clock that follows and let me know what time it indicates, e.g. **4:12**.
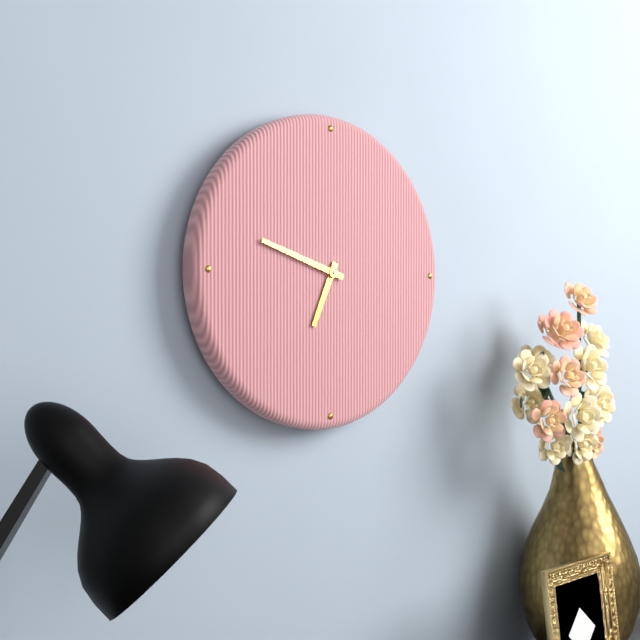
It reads **6:48**
